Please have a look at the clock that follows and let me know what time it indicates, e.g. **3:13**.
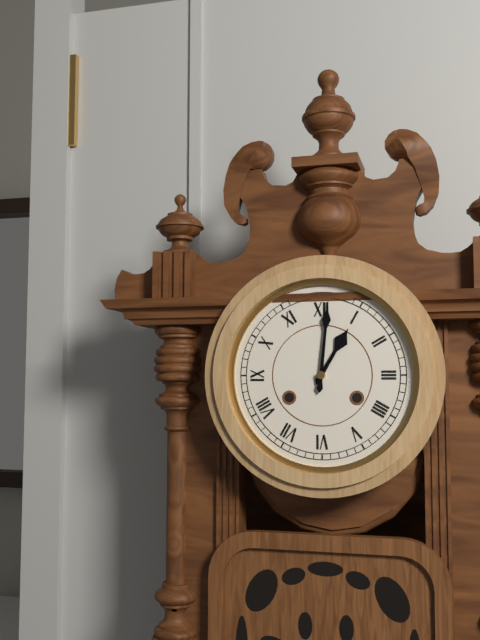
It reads **1:01**
